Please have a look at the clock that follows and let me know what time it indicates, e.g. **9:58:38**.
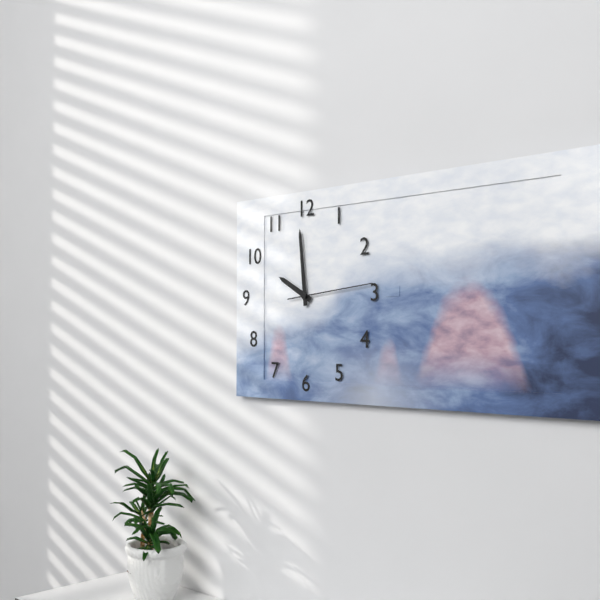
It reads **9:59:14**
